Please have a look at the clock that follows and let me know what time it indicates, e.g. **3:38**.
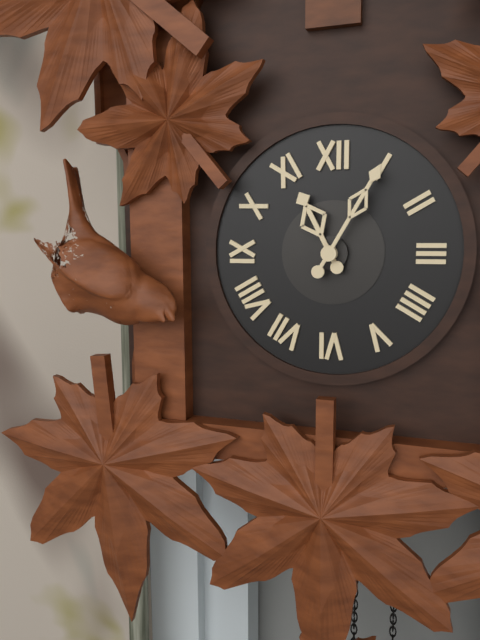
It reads **11:05**
